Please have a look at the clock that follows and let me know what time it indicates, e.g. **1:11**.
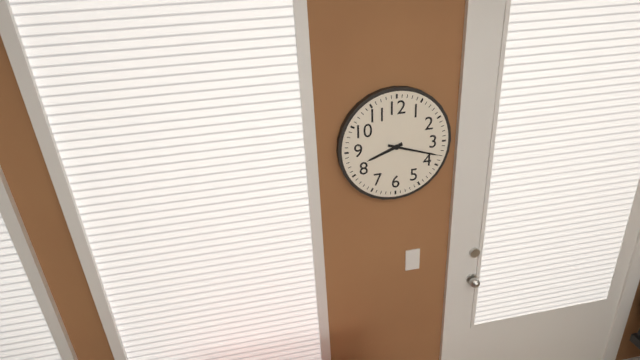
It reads **8:18**
